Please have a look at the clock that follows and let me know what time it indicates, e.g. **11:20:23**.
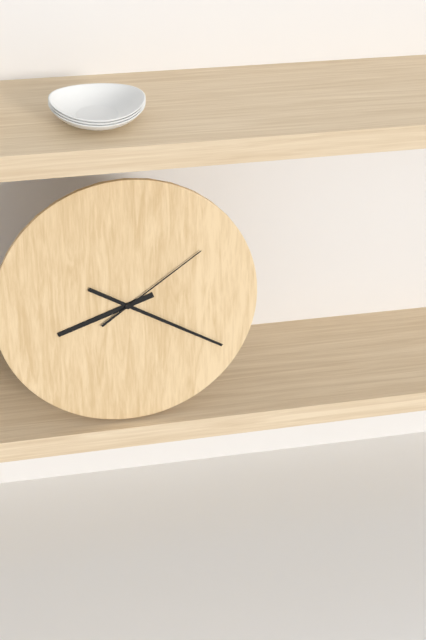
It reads **8:20:09**
